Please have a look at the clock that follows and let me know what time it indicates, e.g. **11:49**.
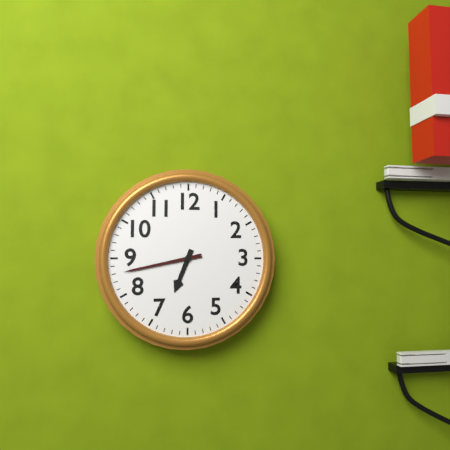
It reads **6:43**
